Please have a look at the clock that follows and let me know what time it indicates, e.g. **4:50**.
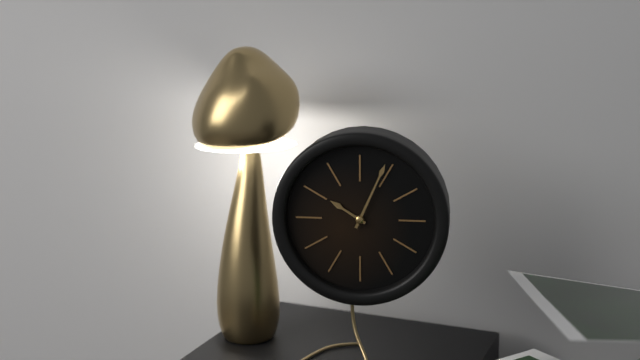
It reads **10:04**
